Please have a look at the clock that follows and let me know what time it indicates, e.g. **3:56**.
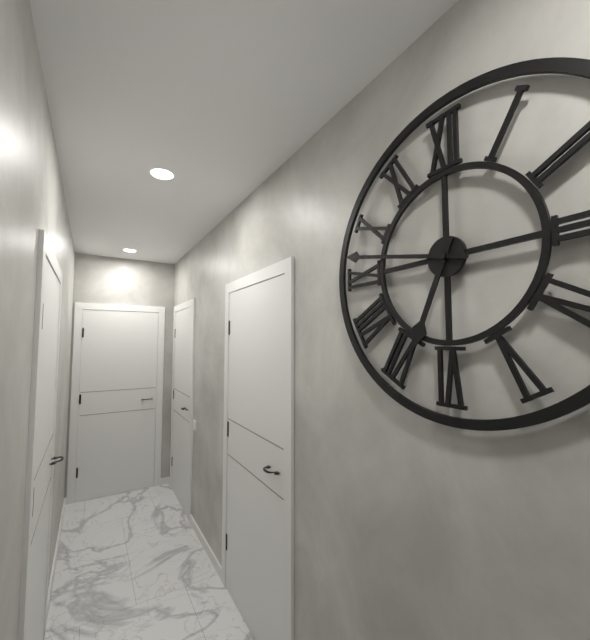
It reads **6:47**
